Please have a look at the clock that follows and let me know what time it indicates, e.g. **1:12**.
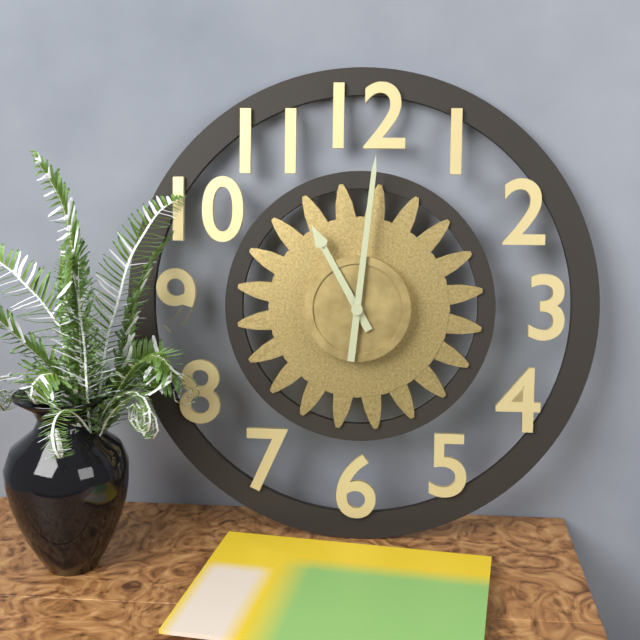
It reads **11:01**
